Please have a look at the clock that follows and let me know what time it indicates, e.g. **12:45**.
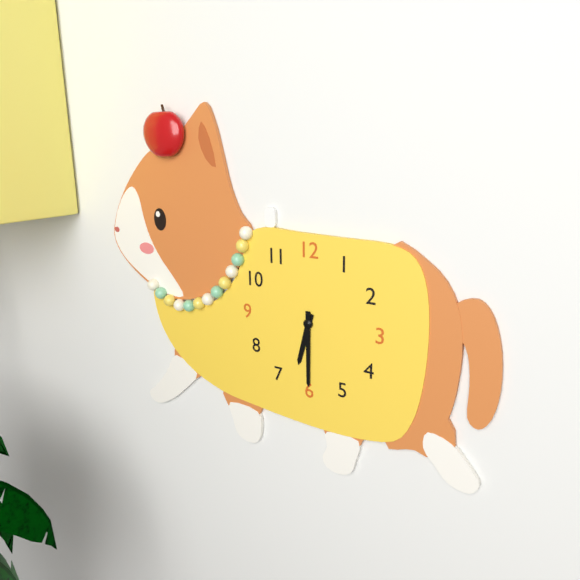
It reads **6:30**
